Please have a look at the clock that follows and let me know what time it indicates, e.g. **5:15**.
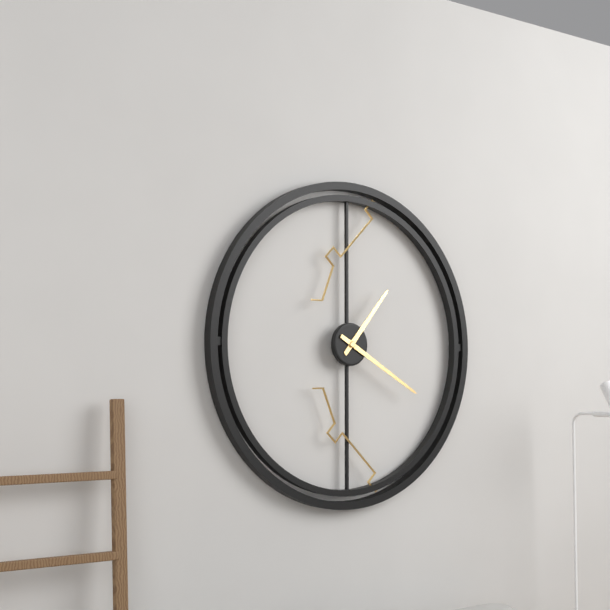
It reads **1:20**
